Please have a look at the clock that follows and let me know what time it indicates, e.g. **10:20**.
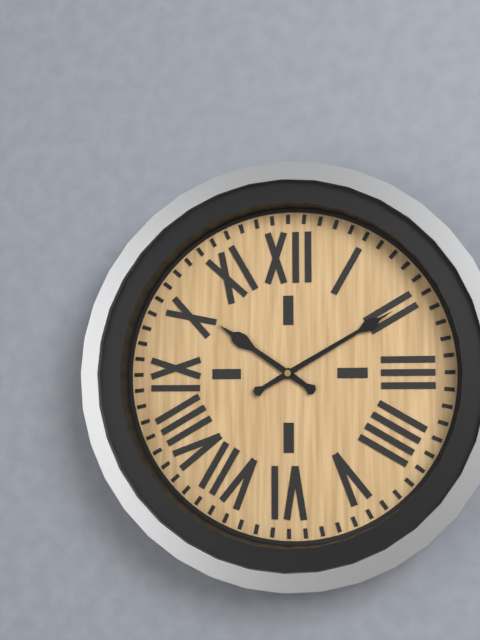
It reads **10:10**
